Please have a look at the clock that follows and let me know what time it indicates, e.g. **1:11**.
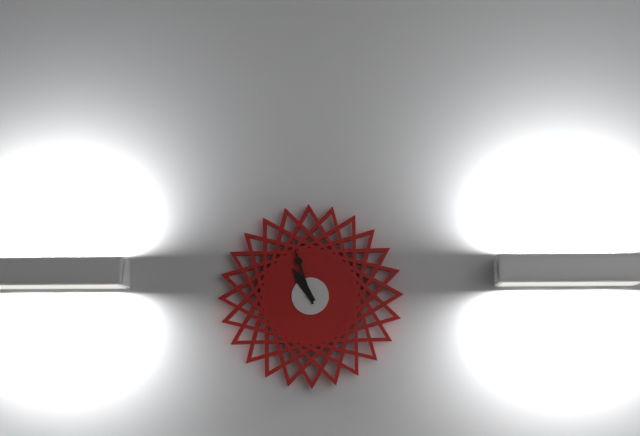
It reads **10:57**
